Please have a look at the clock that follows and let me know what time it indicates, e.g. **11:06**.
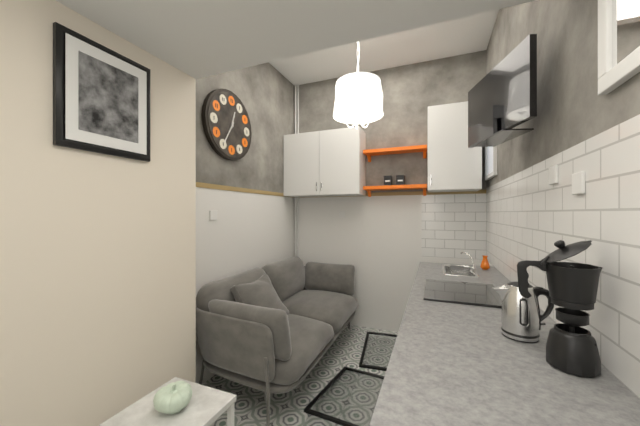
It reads **12:35**
